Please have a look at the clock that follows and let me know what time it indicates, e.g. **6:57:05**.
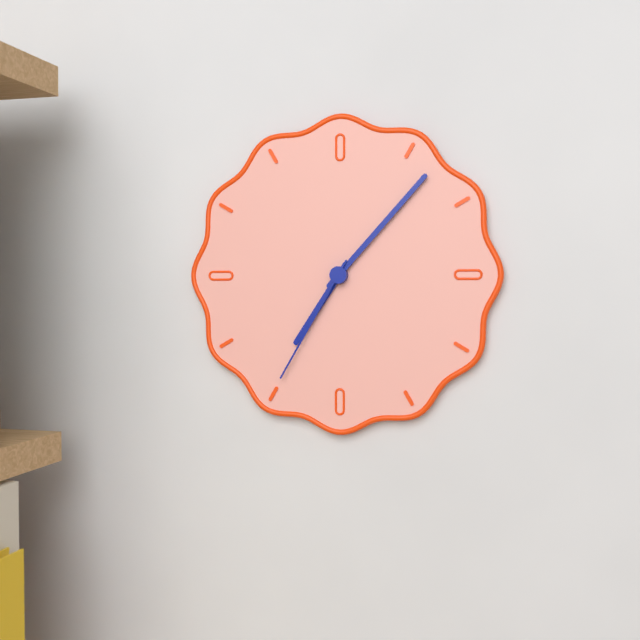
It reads **7:07:35**
